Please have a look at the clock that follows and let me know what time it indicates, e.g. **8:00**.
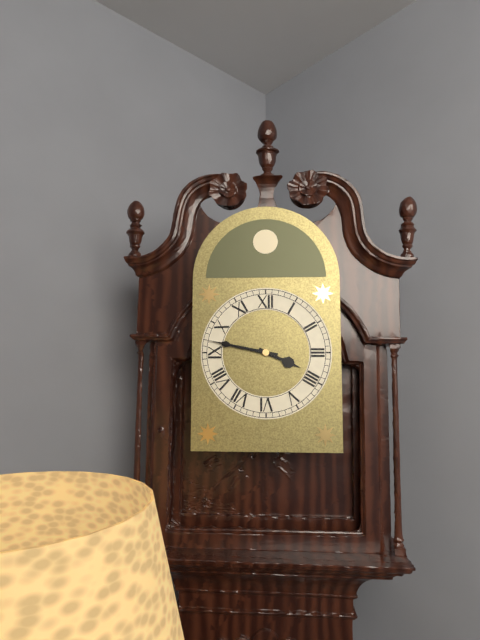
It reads **3:47**
